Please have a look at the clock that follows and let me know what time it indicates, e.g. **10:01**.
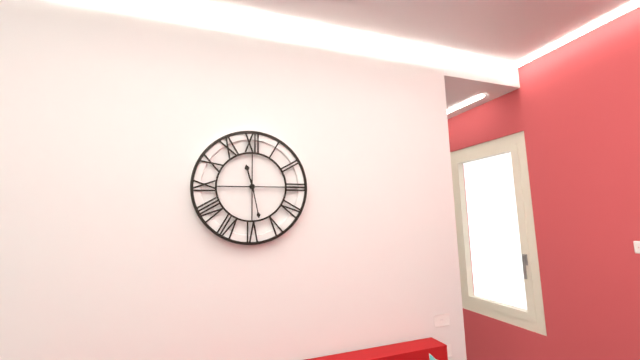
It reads **11:28**
